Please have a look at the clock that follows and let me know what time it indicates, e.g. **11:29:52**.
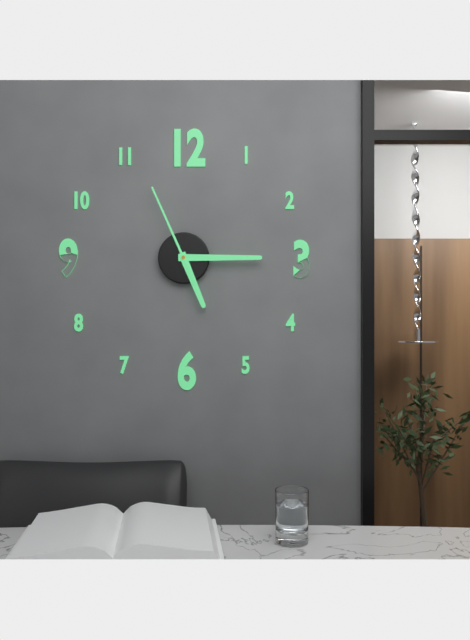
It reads **5:15:56**
